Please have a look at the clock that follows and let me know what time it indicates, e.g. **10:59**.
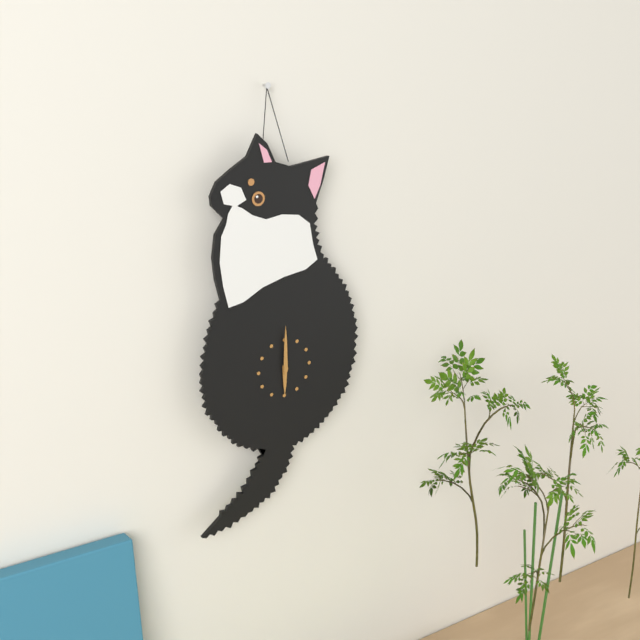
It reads **6:00**
